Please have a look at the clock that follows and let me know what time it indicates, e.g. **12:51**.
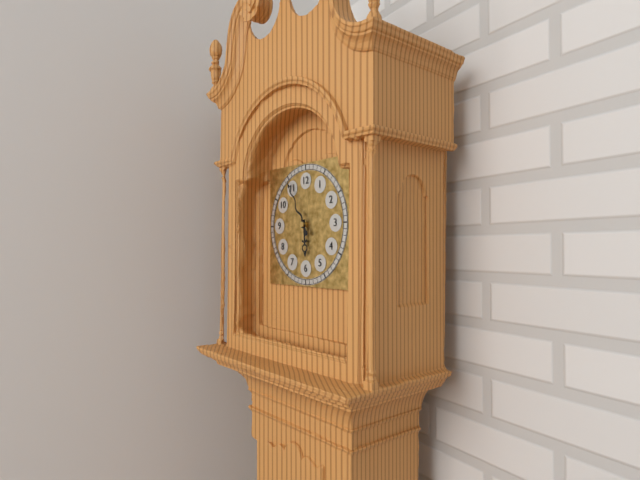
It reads **5:55**
